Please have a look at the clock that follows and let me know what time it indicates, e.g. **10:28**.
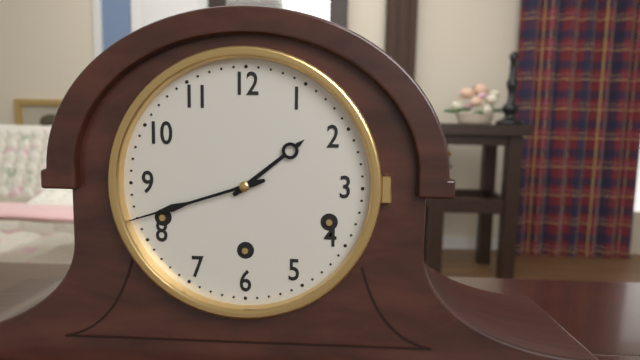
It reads **1:42**
